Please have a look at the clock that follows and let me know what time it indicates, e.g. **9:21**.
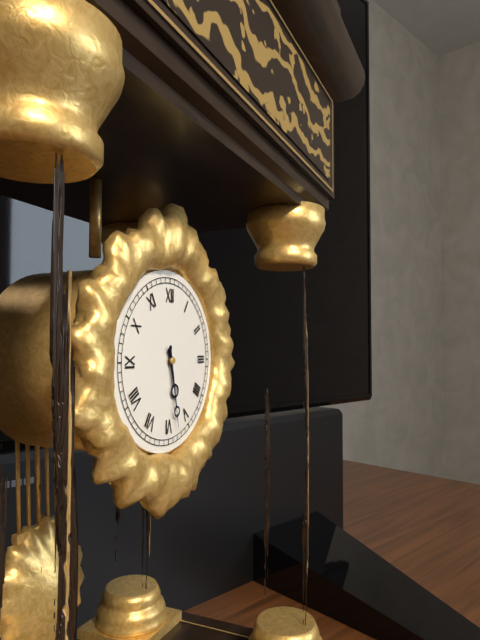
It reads **5:28**
